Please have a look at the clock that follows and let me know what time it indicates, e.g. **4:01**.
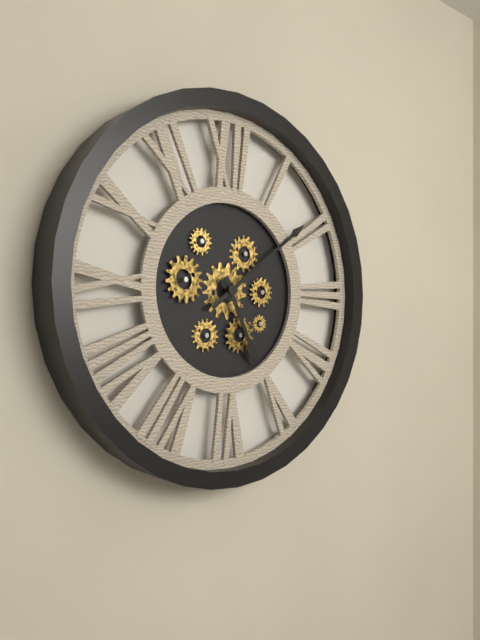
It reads **5:09**
